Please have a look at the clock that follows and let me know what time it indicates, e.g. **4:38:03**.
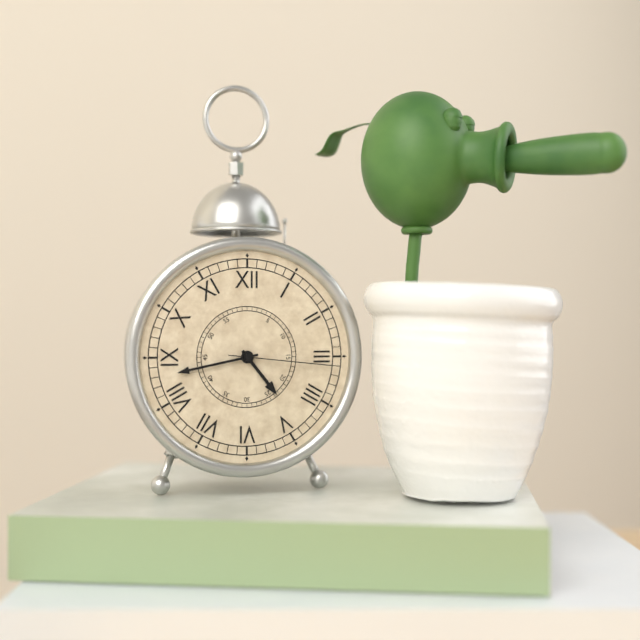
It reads **4:43:16**
